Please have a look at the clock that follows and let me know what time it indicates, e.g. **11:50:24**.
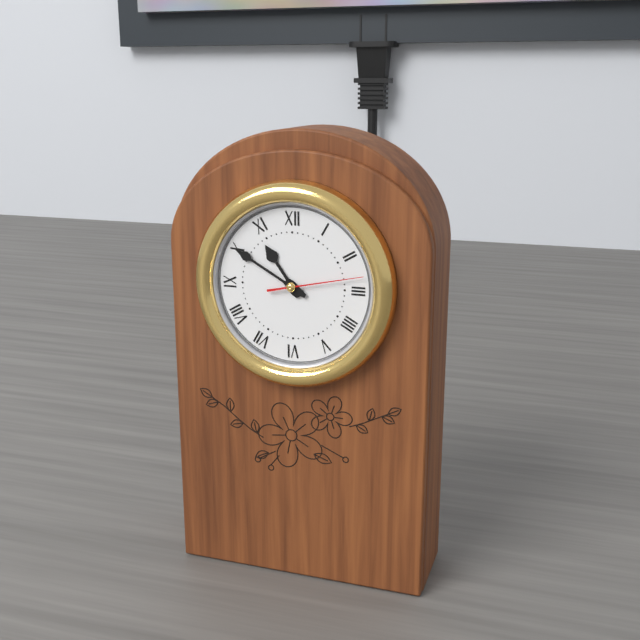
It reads **10:50:13**
